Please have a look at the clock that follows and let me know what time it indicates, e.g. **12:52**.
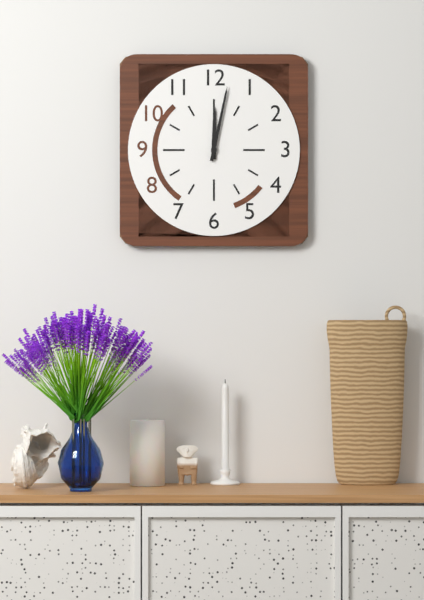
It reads **12:02**
